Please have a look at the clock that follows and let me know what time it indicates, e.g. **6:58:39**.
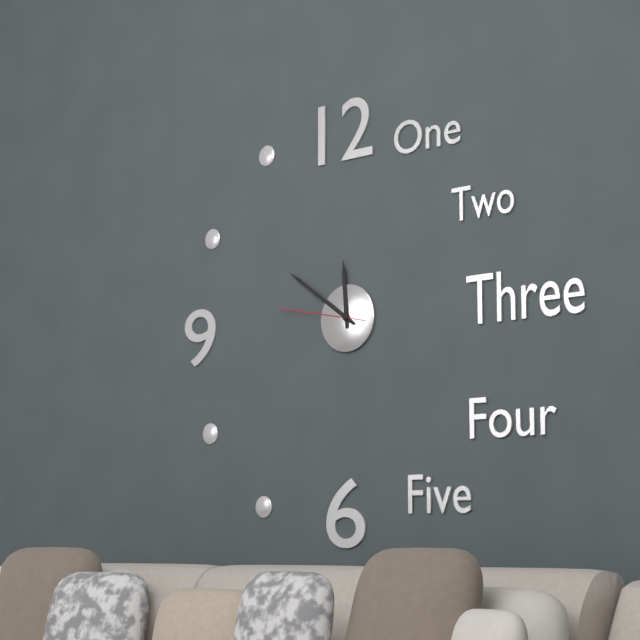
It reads **11:51:47**
